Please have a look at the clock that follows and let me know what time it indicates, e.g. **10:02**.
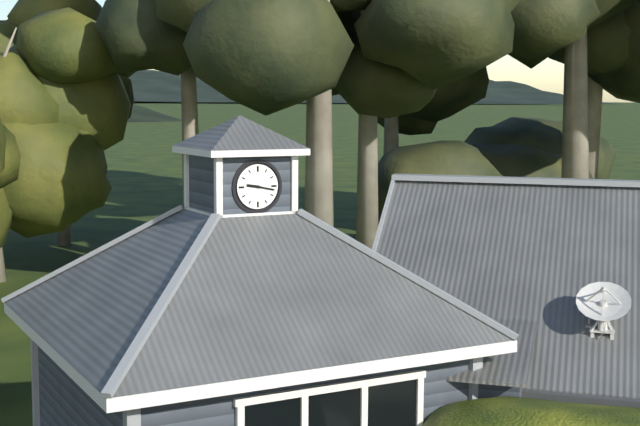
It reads **9:17**
